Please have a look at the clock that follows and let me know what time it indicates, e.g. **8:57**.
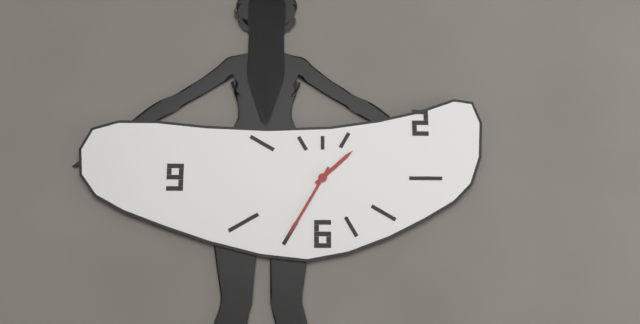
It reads **1:35**
